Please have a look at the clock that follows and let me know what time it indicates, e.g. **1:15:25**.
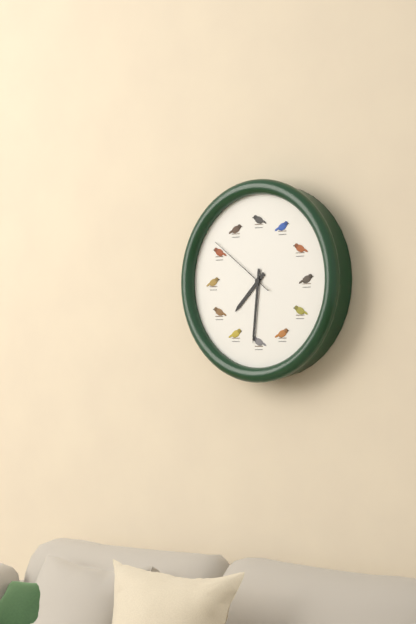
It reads **7:31:51**
